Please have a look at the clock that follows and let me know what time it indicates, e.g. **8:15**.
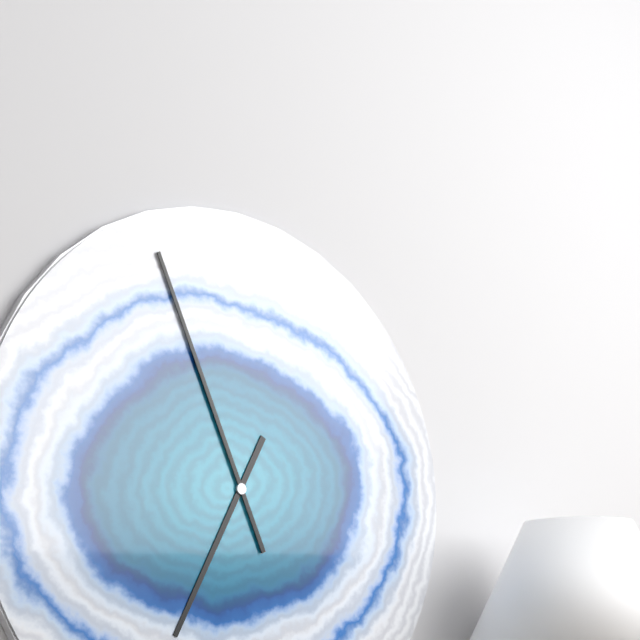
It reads **6:56**
